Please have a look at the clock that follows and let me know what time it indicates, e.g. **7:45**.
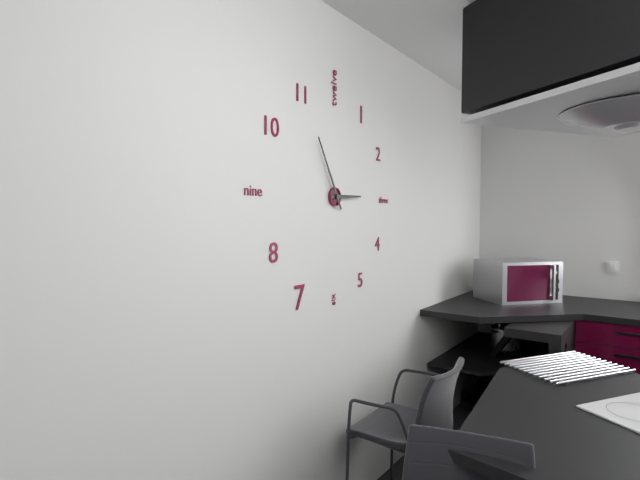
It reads **2:55**
